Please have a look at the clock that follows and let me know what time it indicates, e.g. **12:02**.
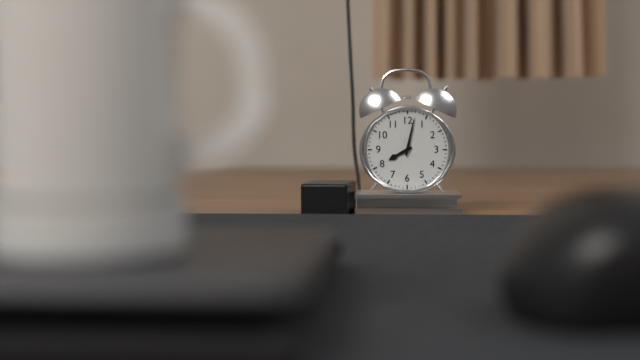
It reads **8:02**
